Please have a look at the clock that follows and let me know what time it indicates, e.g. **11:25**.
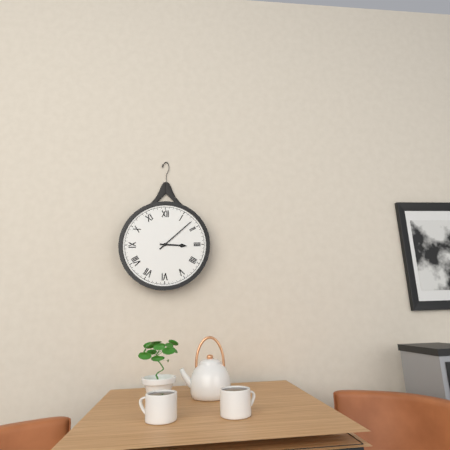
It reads **3:08**
